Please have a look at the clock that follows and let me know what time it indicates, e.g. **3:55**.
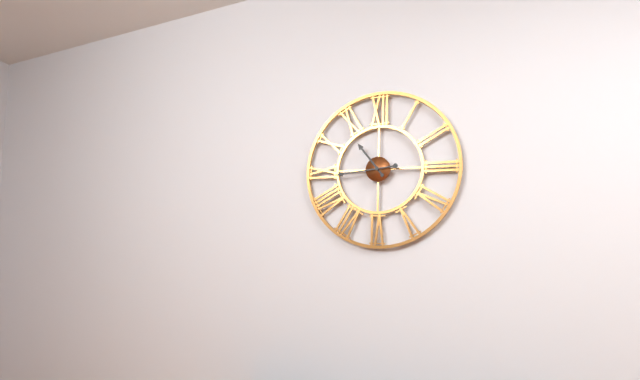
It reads **10:44**
